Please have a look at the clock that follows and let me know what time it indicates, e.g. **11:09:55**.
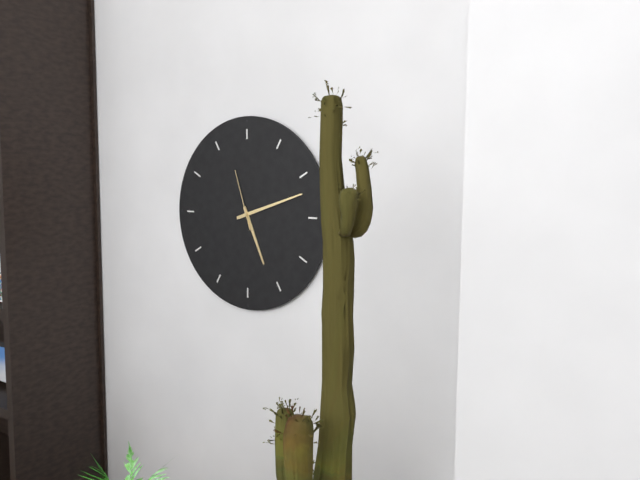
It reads **5:12:57**
